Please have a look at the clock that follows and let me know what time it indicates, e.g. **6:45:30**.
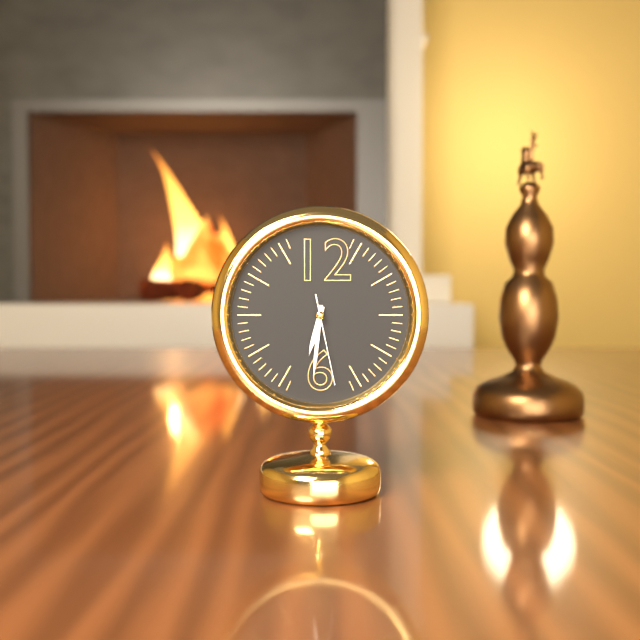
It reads **6:31:28**
